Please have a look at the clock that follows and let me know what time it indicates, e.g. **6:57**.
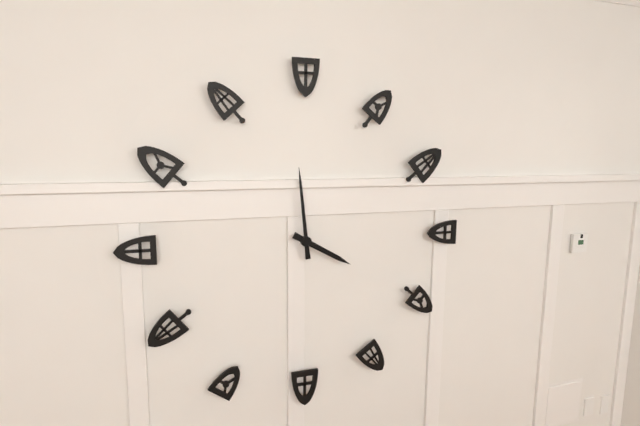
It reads **3:59**
